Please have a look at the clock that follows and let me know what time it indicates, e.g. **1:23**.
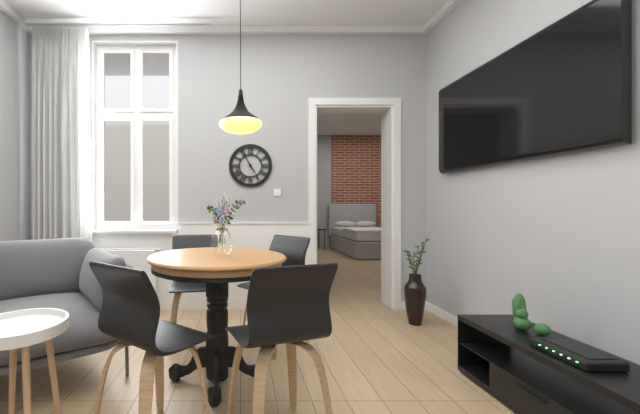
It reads **4:55**
